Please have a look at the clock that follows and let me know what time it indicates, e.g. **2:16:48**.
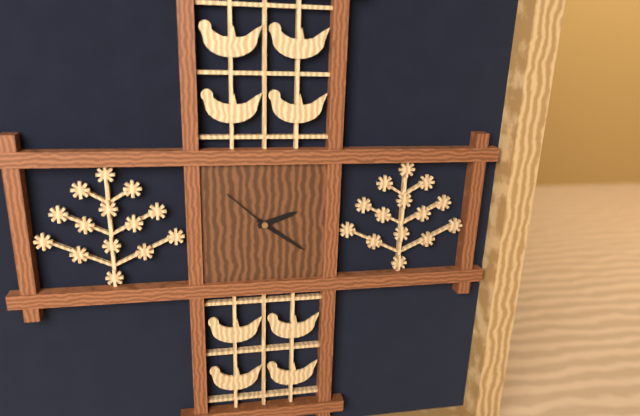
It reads **2:21:52**
